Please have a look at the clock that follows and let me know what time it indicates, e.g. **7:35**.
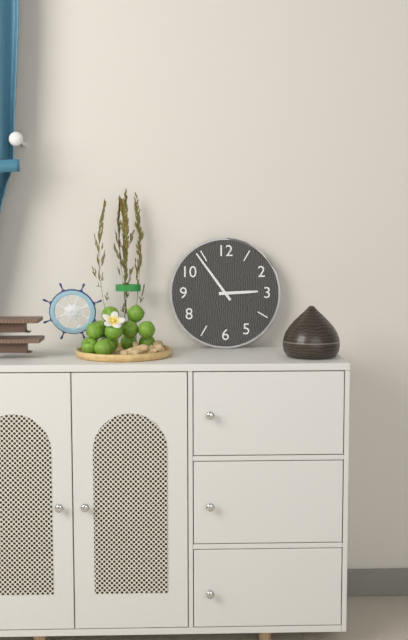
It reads **2:54**
